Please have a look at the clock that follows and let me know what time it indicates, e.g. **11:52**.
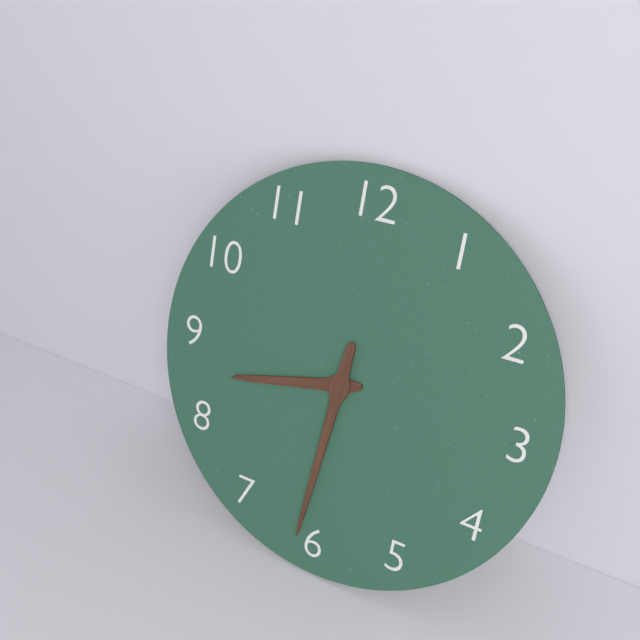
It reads **8:31**
